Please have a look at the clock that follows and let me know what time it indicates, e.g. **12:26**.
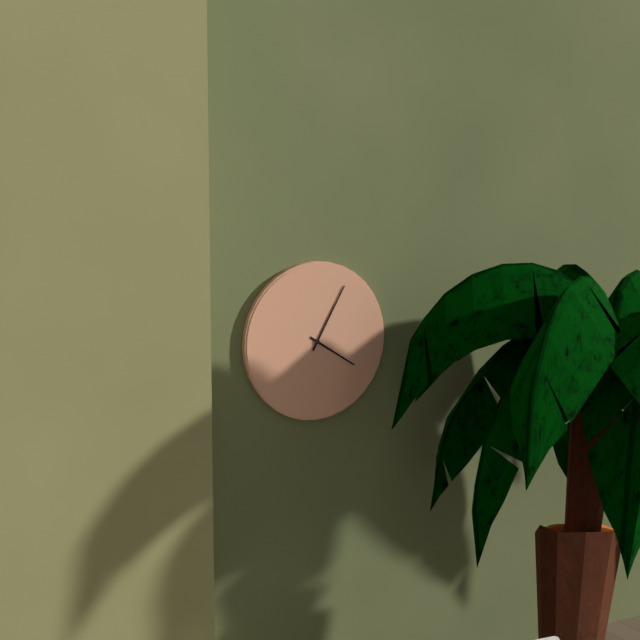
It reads **4:05**
